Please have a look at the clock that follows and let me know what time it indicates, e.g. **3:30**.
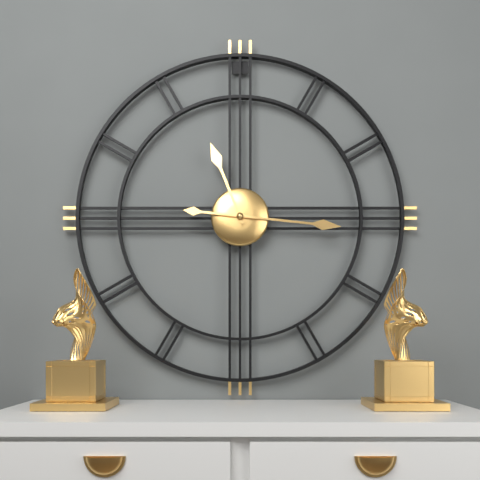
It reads **11:16**
